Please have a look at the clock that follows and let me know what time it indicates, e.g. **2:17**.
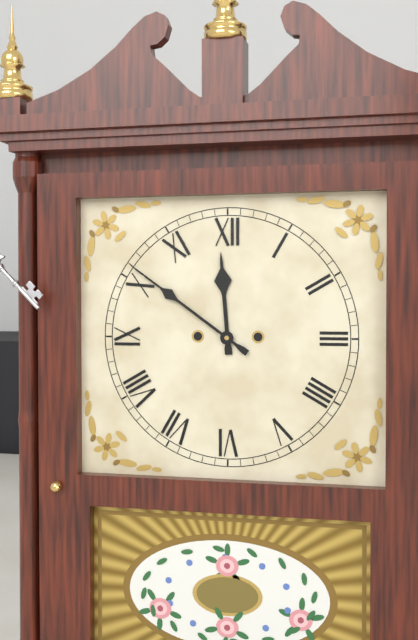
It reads **11:51**
